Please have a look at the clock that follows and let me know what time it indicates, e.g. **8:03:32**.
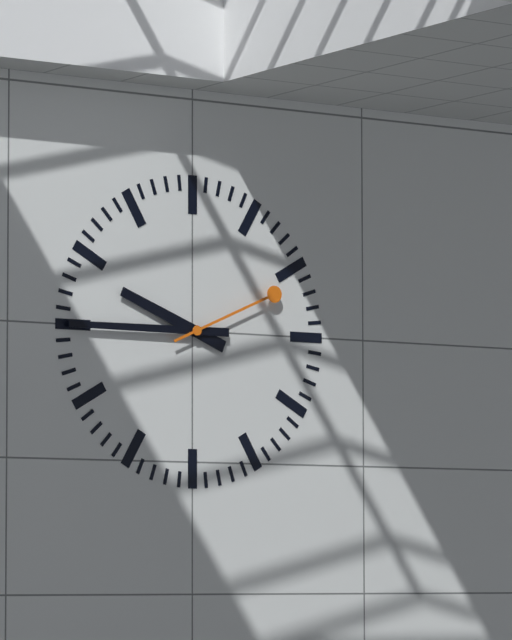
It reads **9:45:11**
